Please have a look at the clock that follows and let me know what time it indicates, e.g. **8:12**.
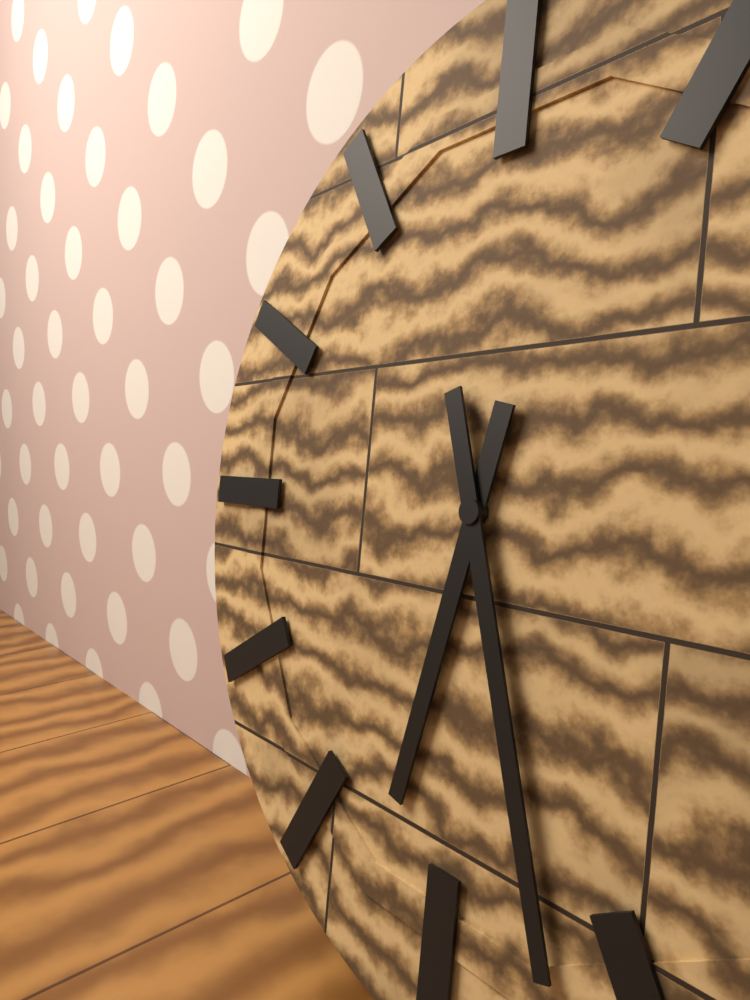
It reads **6:27**
